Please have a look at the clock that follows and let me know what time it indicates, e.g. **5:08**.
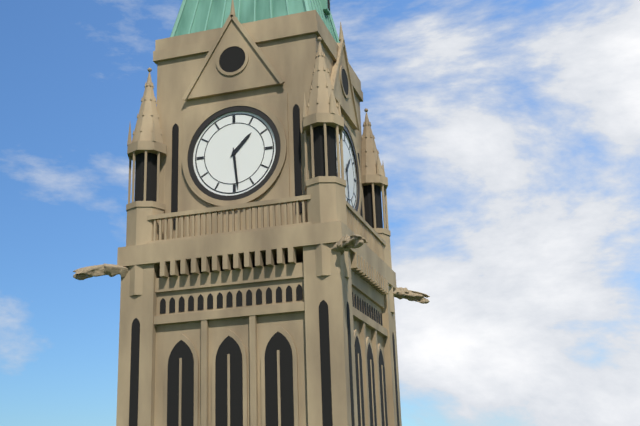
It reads **1:29**
